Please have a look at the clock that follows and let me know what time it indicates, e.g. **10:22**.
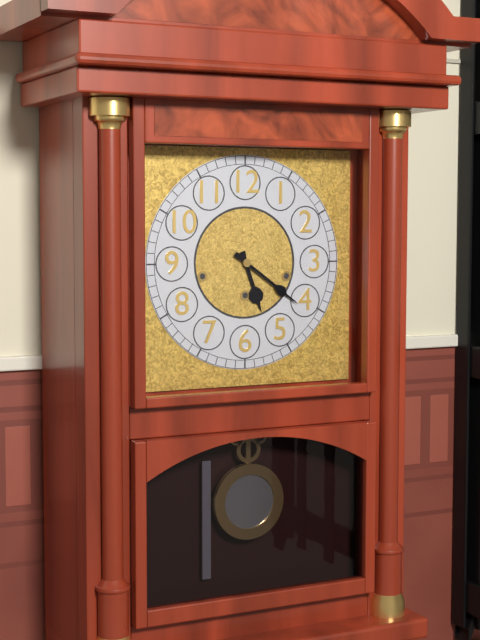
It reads **5:21**
